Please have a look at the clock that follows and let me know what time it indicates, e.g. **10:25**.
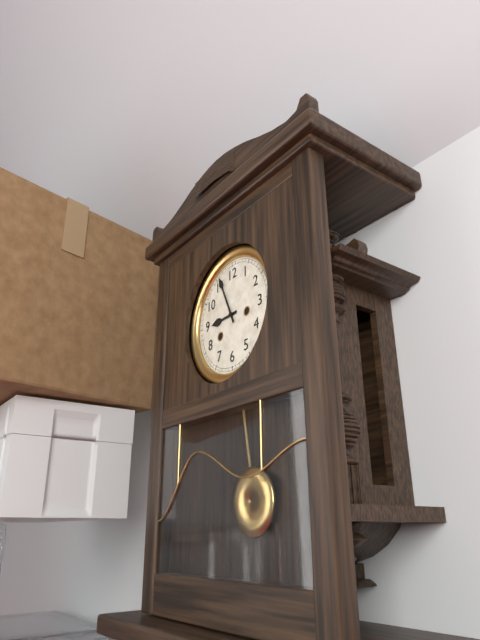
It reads **8:56**
